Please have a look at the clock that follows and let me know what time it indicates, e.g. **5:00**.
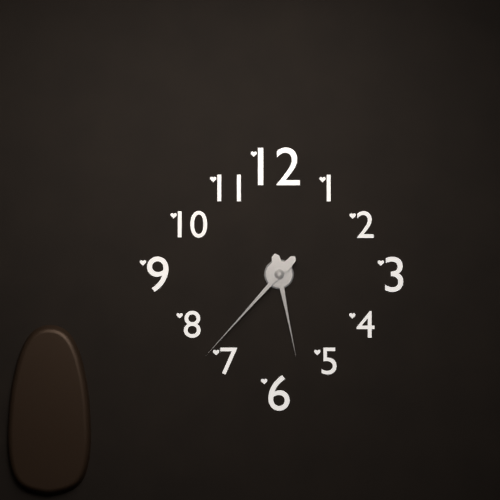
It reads **5:37**
